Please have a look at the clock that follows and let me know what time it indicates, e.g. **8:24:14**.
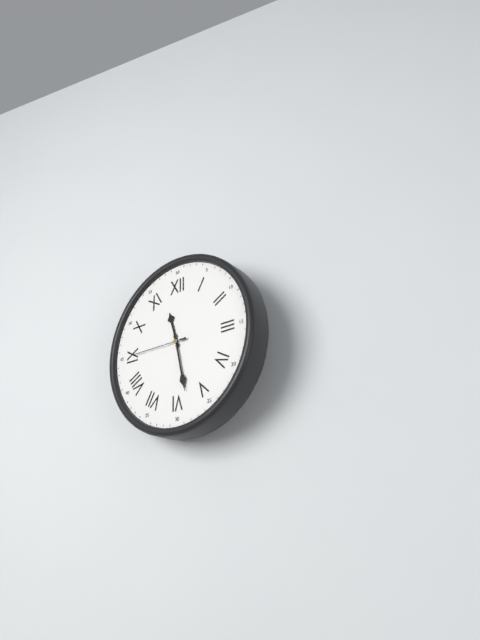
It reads **11:28:45**
